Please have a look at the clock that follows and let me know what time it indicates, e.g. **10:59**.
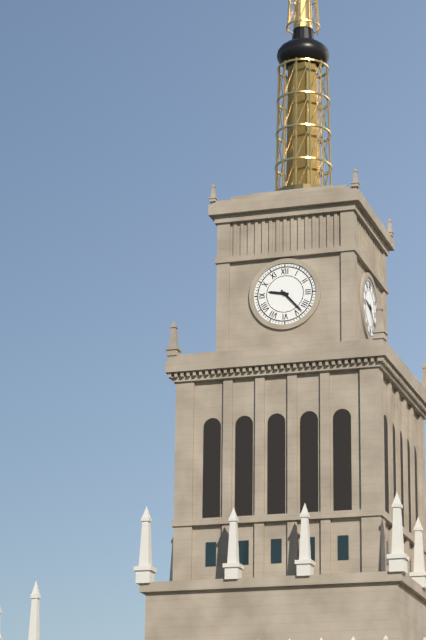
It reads **9:23**
